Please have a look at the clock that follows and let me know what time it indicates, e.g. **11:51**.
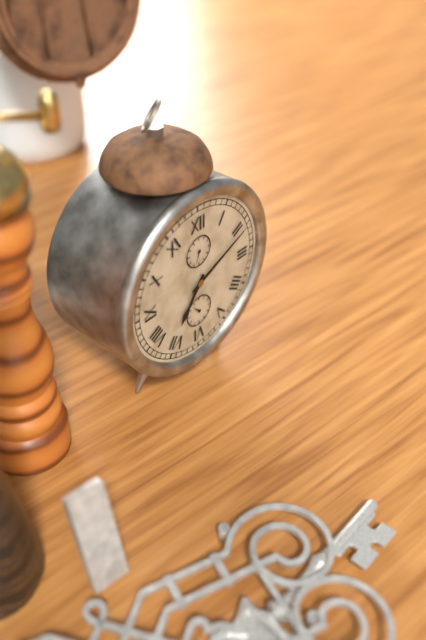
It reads **7:11**
